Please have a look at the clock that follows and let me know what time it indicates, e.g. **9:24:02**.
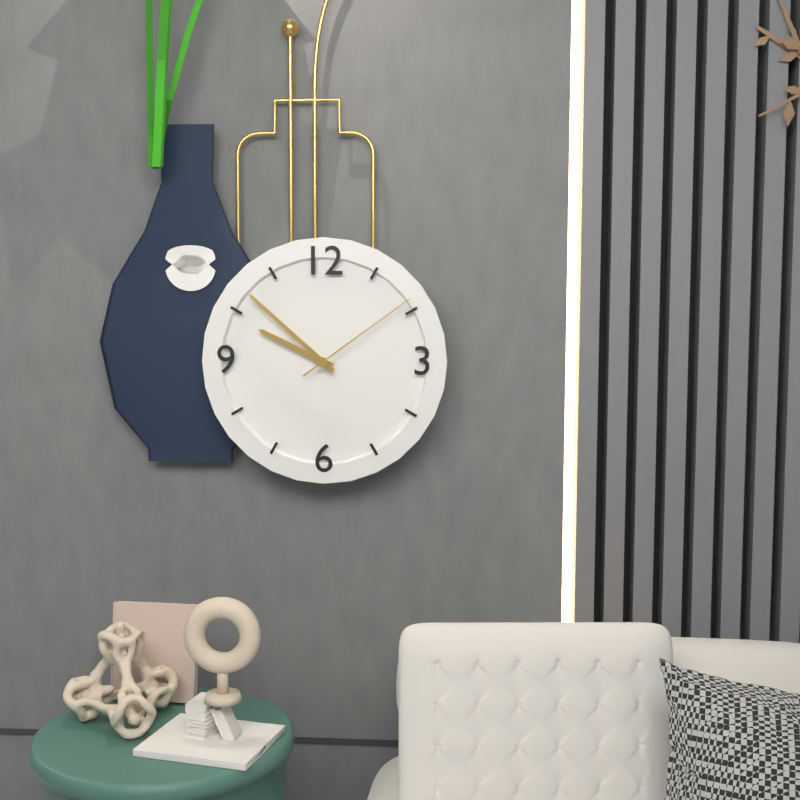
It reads **9:52:09**
